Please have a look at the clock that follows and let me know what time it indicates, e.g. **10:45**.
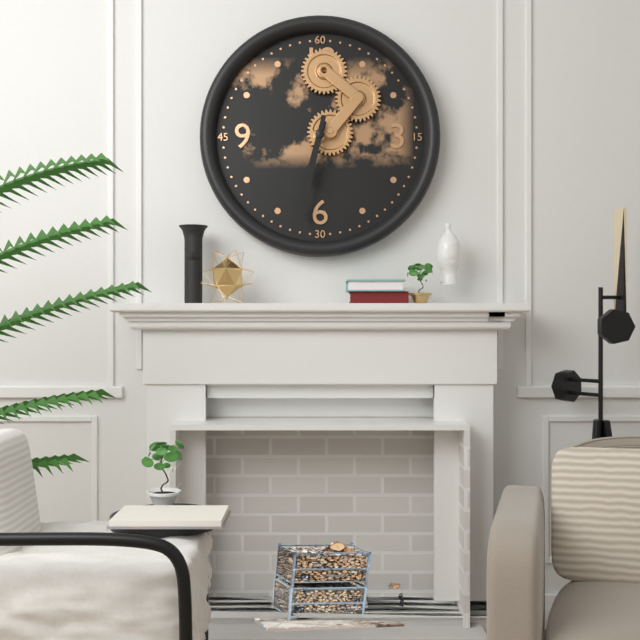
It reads **6:32**
